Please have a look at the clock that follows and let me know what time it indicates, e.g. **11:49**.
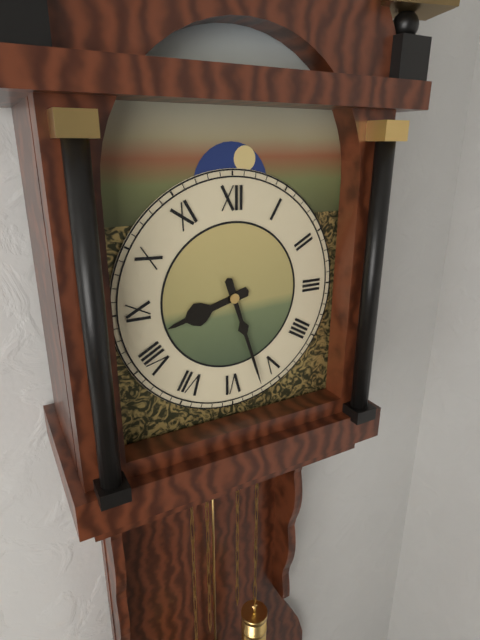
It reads **8:27**
